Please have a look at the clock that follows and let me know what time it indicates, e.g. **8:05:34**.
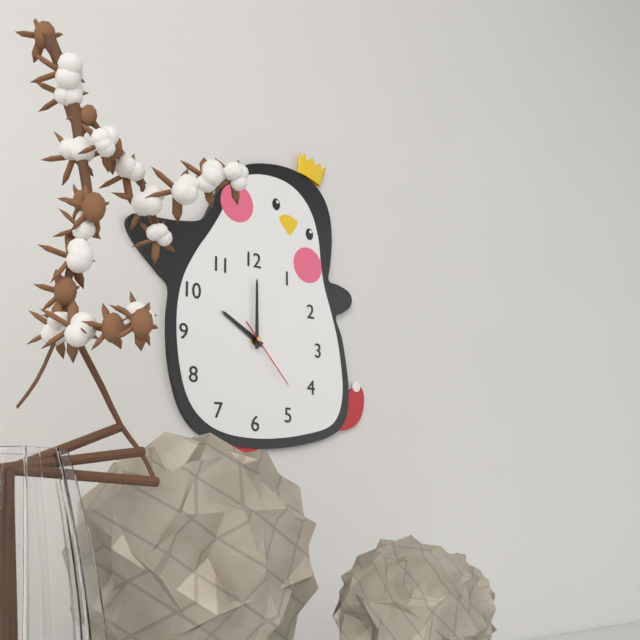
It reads **10:00:23**
